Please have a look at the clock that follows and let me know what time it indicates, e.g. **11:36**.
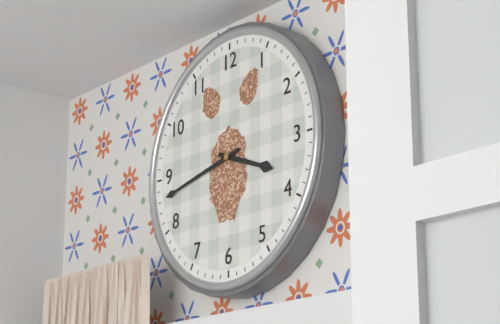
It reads **3:43**
